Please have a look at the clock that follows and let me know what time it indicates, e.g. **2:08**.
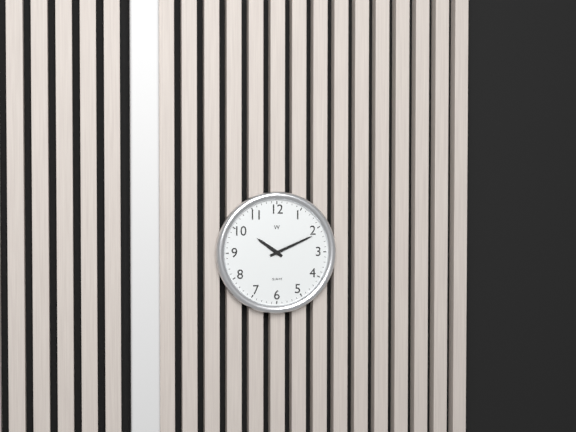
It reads **10:11**
